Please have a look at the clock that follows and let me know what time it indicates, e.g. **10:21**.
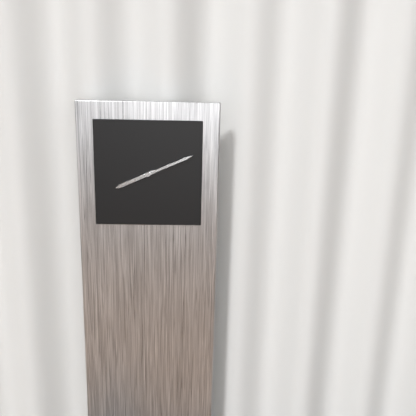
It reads **8:11**
